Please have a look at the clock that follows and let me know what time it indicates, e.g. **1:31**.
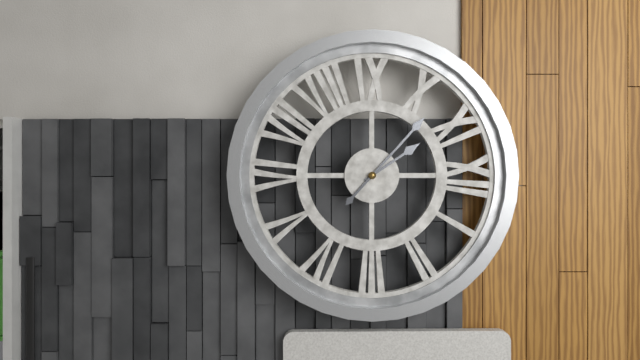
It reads **10:52**
